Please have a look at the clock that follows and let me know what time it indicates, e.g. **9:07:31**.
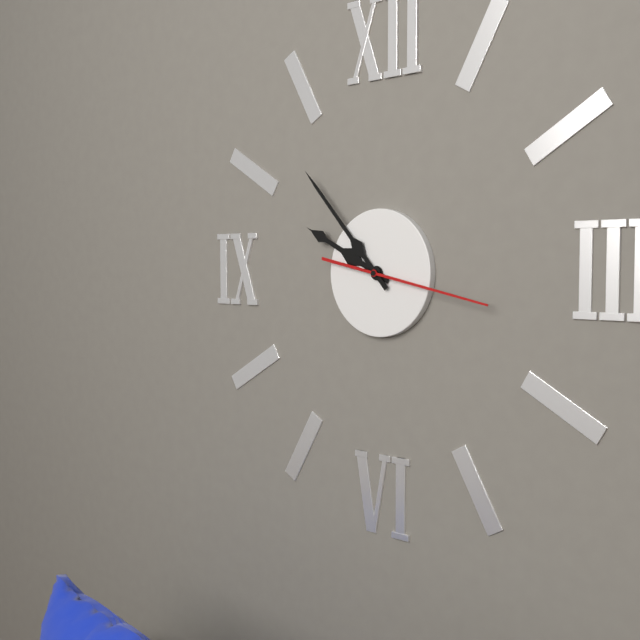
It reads **9:53:17**
